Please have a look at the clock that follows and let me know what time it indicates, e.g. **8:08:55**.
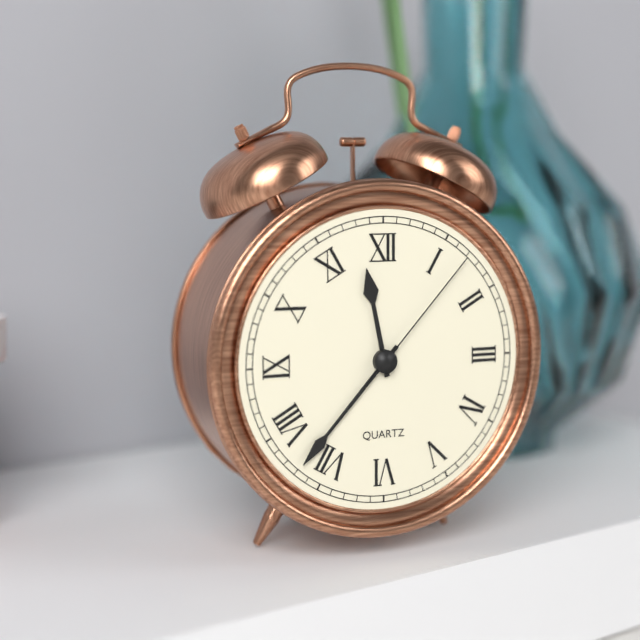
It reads **11:37:07**
